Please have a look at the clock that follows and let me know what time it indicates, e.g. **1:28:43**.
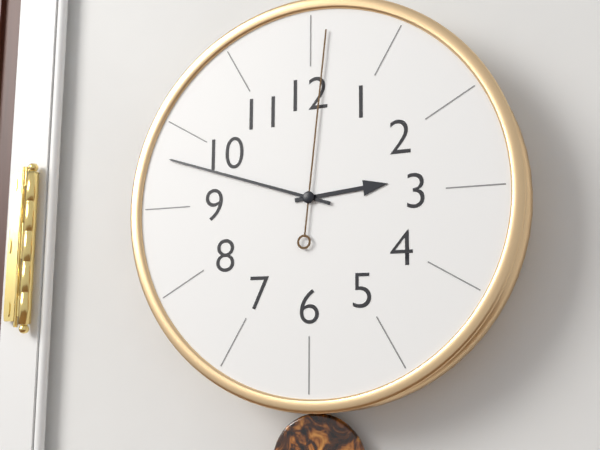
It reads **2:48:01**
